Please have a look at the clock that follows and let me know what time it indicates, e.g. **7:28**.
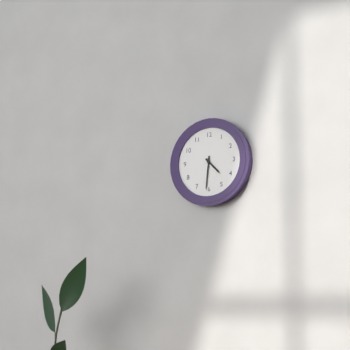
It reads **4:31**
